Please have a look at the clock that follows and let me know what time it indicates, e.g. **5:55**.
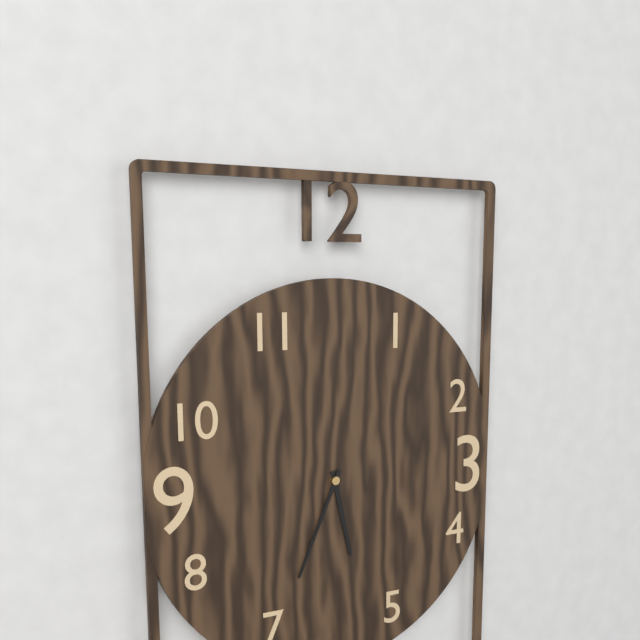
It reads **5:34**
